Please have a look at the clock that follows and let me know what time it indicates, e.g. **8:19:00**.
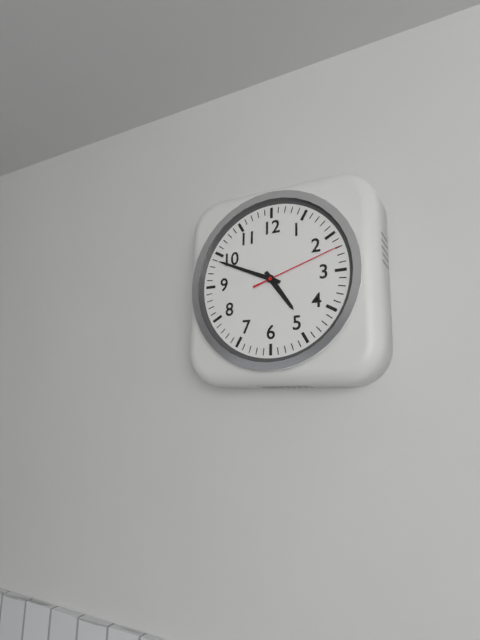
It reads **4:49:12**
